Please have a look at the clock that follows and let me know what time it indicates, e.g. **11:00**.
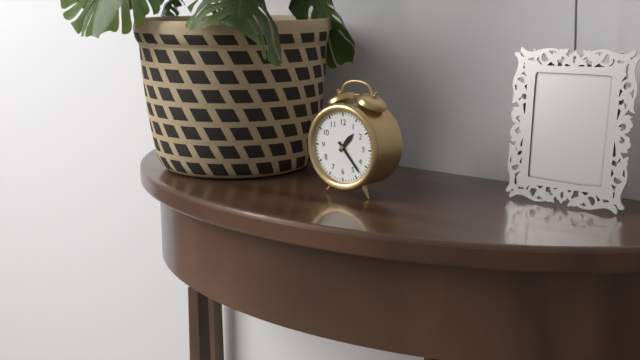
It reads **1:23**
